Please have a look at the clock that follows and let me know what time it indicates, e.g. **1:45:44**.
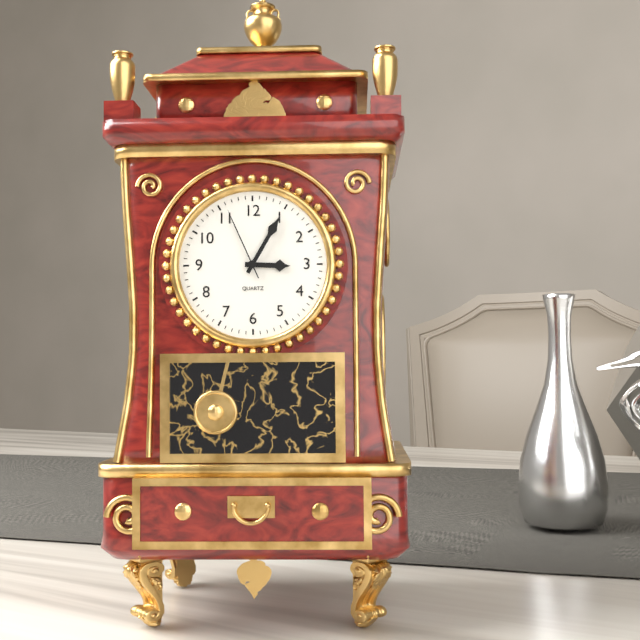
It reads **3:05:56**
